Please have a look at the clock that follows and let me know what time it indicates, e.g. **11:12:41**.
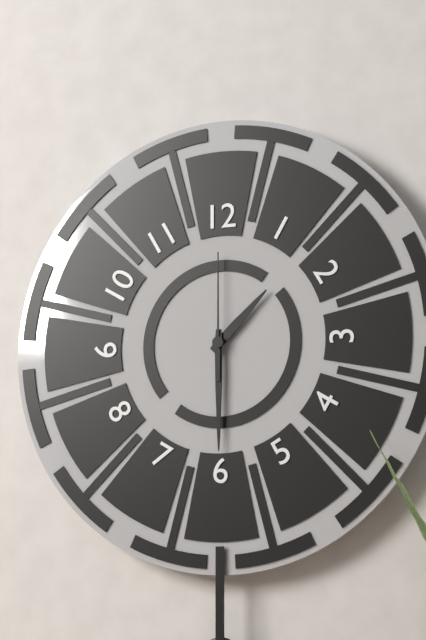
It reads **1:30:00**
